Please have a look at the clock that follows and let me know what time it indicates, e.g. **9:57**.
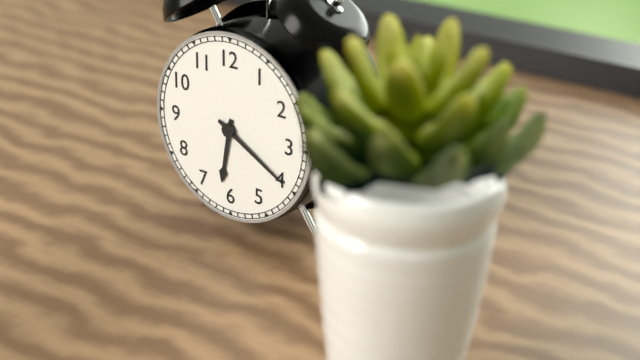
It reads **6:20**
